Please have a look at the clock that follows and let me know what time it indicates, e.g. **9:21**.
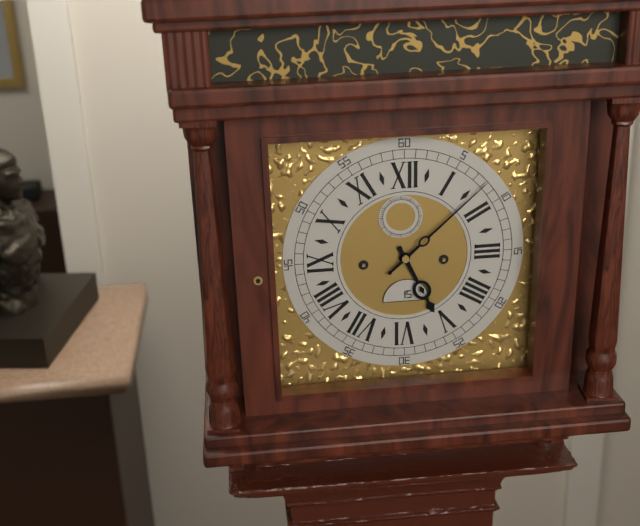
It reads **5:08**
